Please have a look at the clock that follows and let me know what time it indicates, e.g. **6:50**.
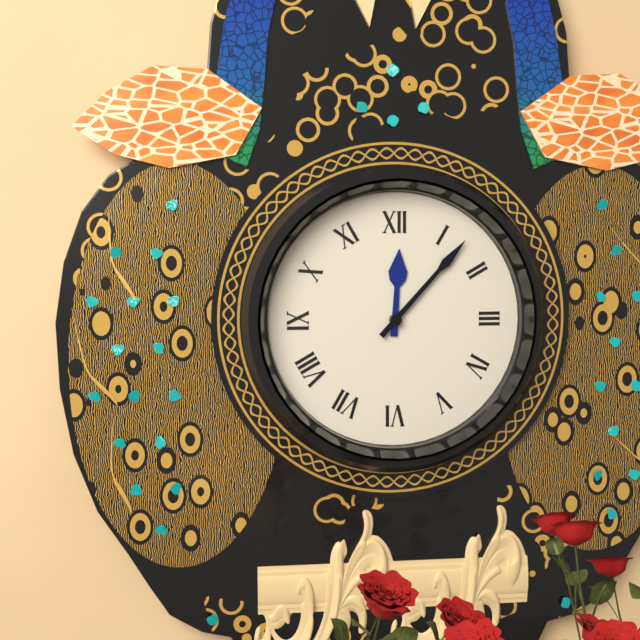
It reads **12:07**
